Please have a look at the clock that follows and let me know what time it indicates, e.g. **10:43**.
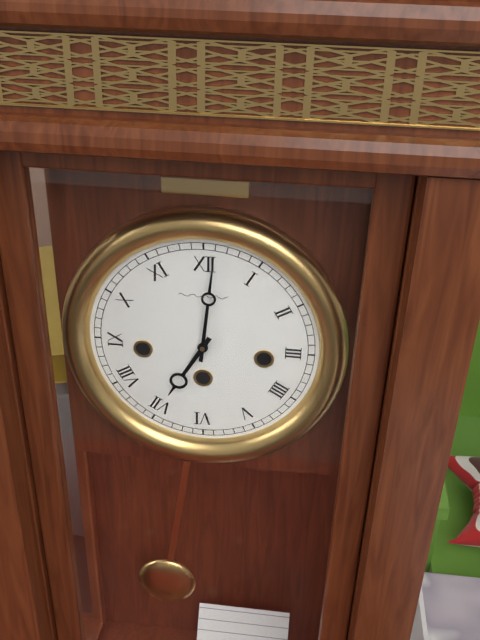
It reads **7:01**
